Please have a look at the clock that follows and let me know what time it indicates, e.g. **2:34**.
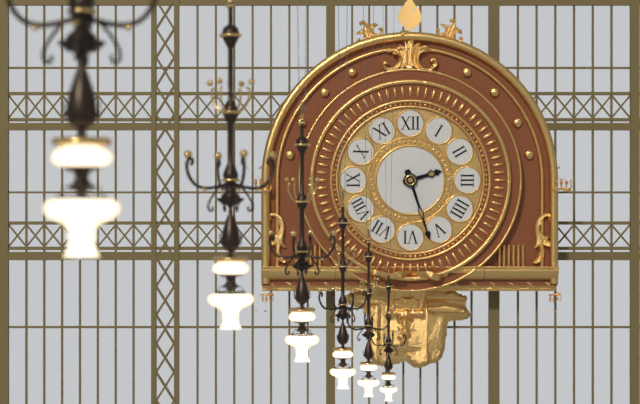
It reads **2:27**
